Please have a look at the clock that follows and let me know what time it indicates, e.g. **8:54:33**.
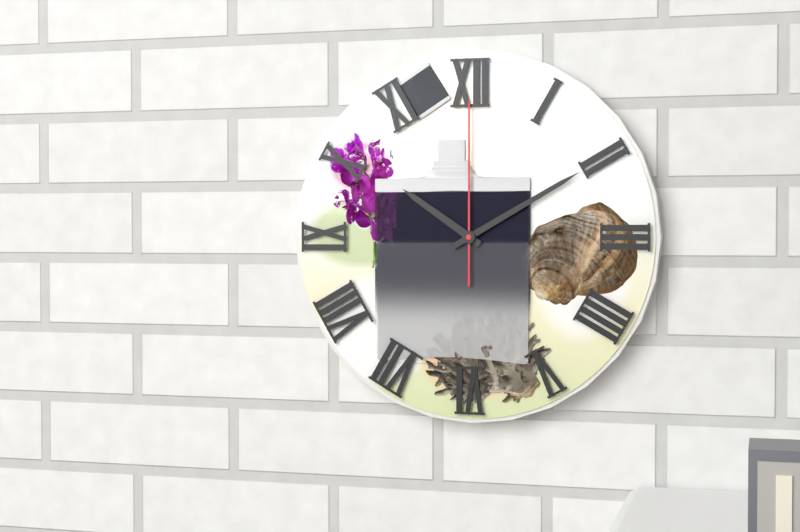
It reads **10:10:00**
